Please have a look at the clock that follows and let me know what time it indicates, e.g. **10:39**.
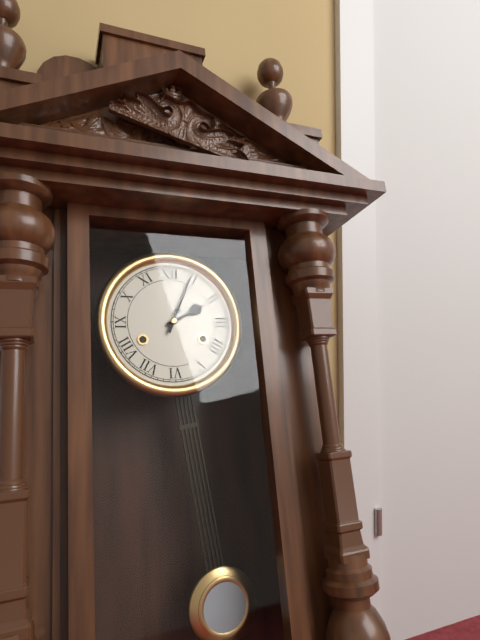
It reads **2:04**
